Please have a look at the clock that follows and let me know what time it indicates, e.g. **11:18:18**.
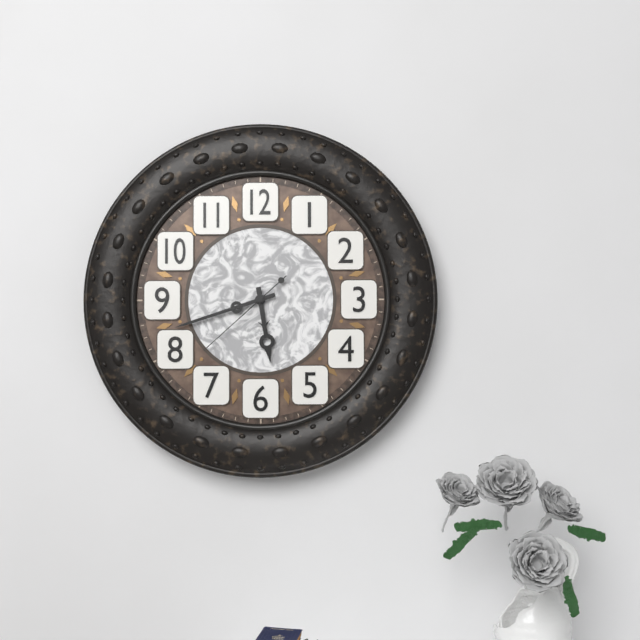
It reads **5:42:38**
